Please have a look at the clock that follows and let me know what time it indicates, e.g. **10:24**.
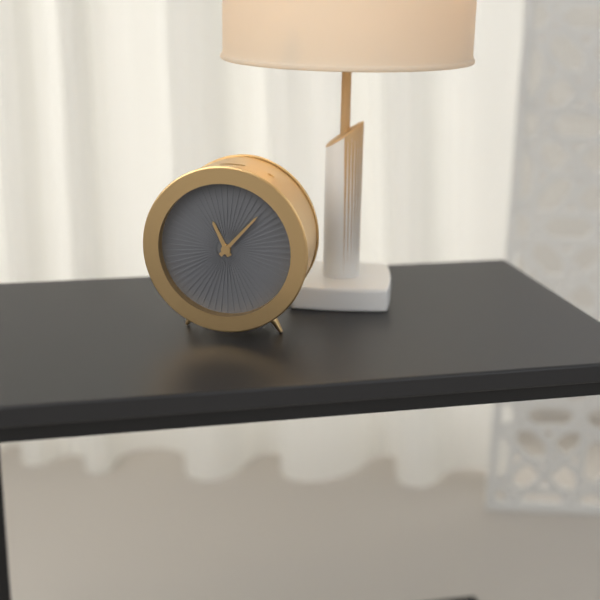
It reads **11:07**
